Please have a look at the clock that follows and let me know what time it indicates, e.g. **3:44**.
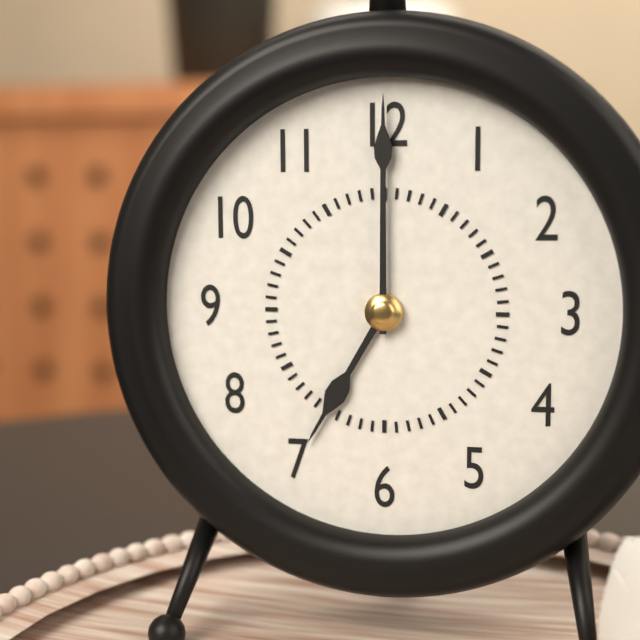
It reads **7:00**
